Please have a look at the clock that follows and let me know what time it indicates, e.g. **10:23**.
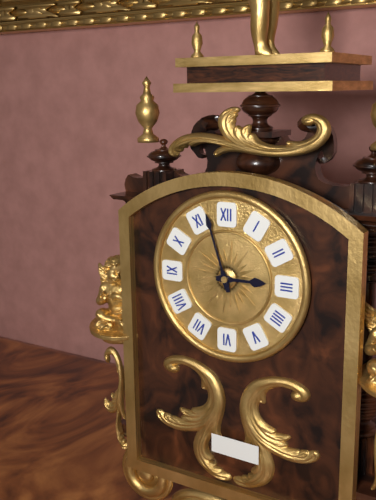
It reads **2:57**
